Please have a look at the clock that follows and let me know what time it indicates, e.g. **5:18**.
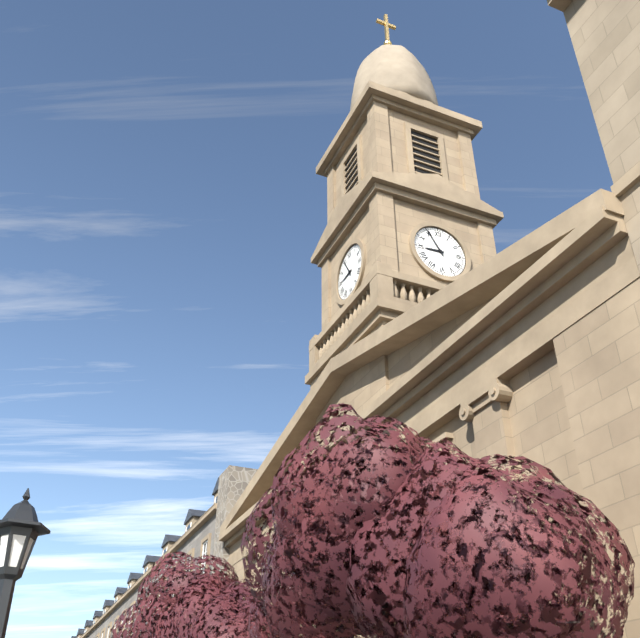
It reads **8:55**
